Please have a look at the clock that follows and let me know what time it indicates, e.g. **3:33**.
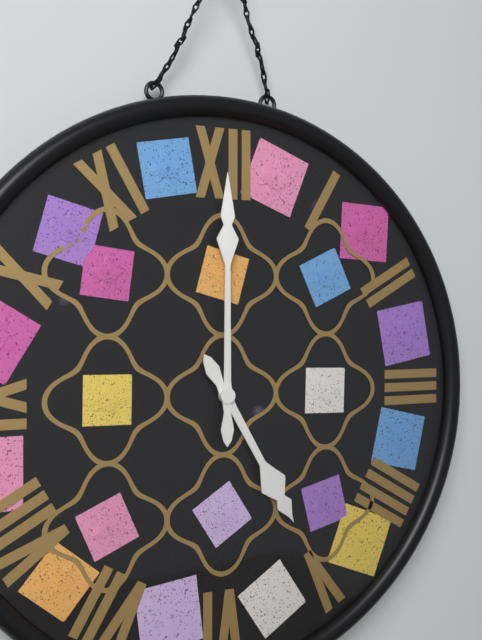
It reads **5:00**
